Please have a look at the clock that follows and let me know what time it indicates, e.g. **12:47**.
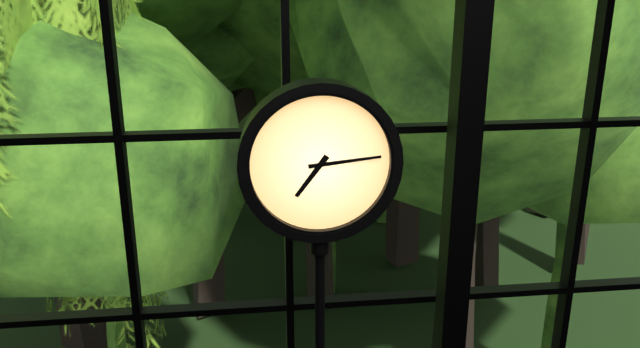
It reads **7:14**
